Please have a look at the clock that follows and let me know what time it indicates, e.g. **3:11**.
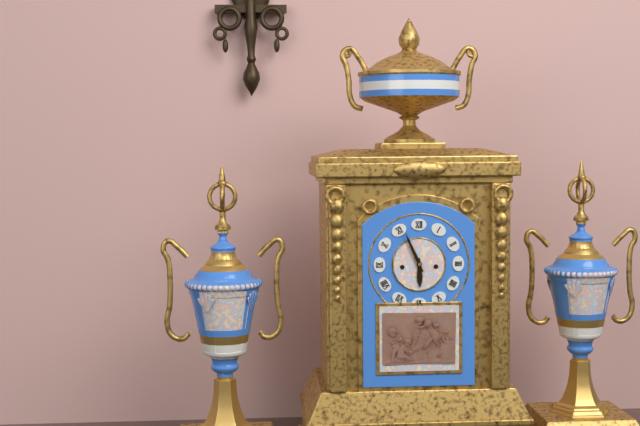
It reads **5:56**
